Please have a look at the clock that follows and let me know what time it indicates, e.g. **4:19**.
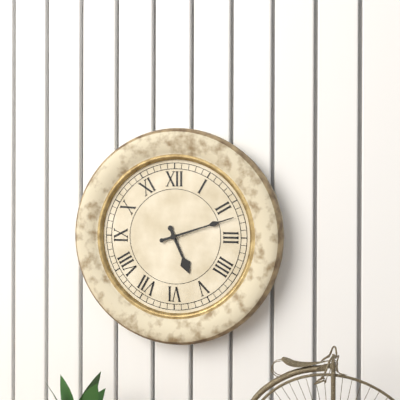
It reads **5:12**
